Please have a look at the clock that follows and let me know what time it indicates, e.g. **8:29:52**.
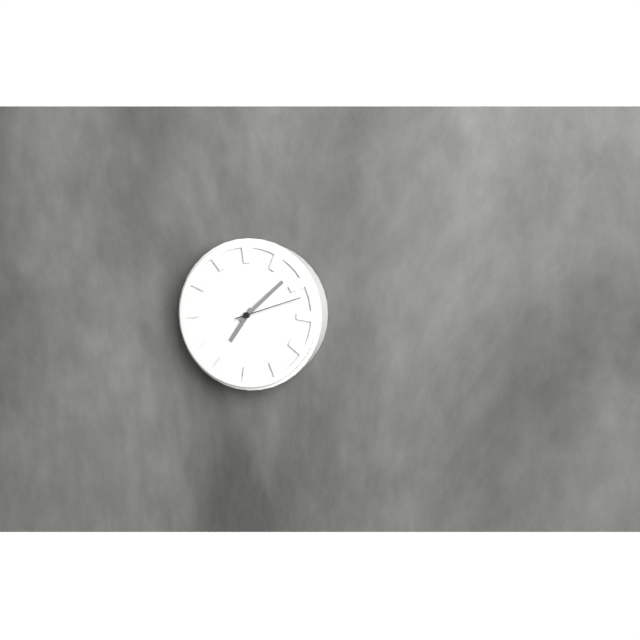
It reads **7:08:12**
